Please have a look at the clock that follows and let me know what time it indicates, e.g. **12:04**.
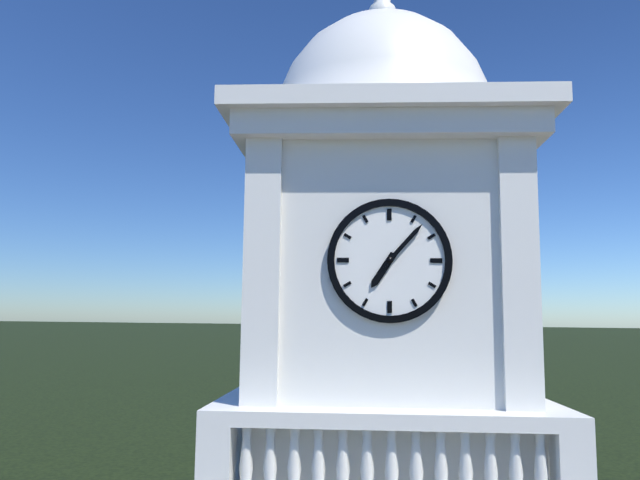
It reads **7:07**
